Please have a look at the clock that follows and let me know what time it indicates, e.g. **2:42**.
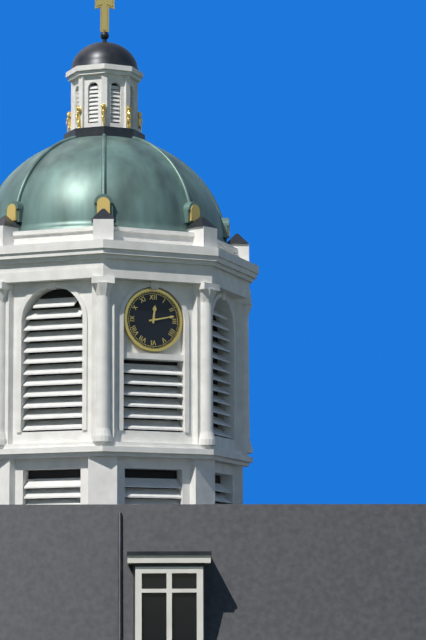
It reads **12:13**
